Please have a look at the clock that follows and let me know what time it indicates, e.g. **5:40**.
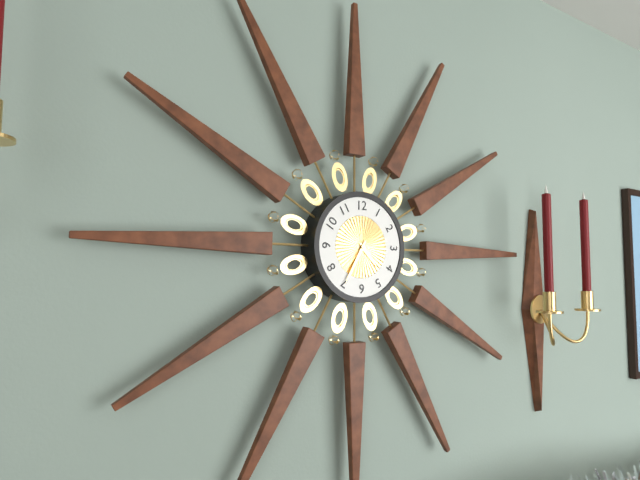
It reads **4:35**
